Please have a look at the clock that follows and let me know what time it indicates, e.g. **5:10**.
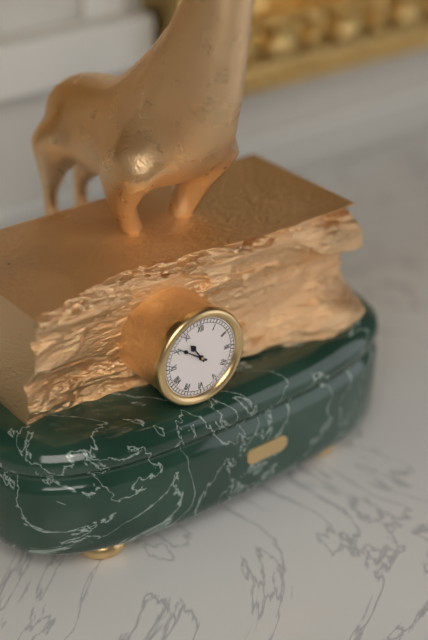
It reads **10:51**
